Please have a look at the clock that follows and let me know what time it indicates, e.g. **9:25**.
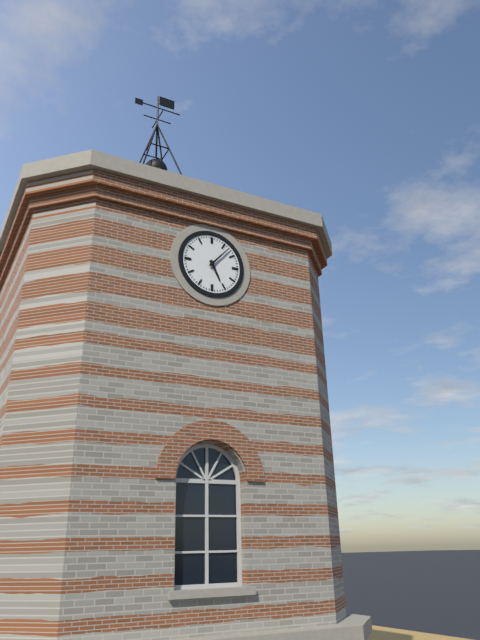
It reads **5:07**
